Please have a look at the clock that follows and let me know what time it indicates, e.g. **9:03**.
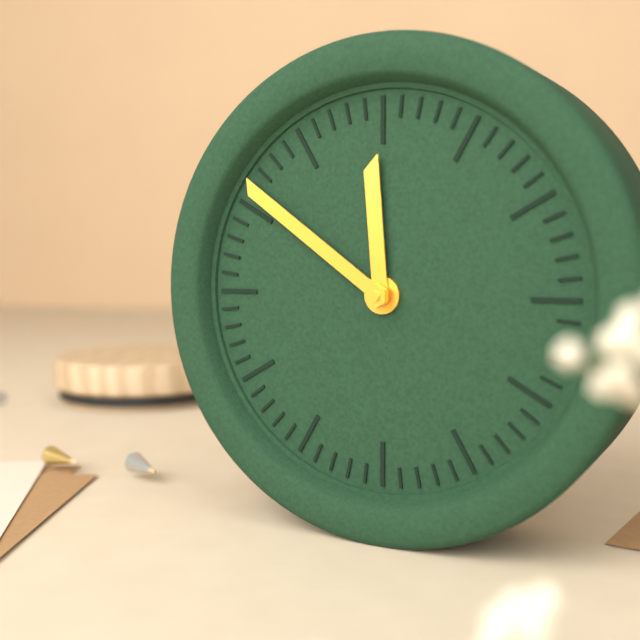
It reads **11:51**
